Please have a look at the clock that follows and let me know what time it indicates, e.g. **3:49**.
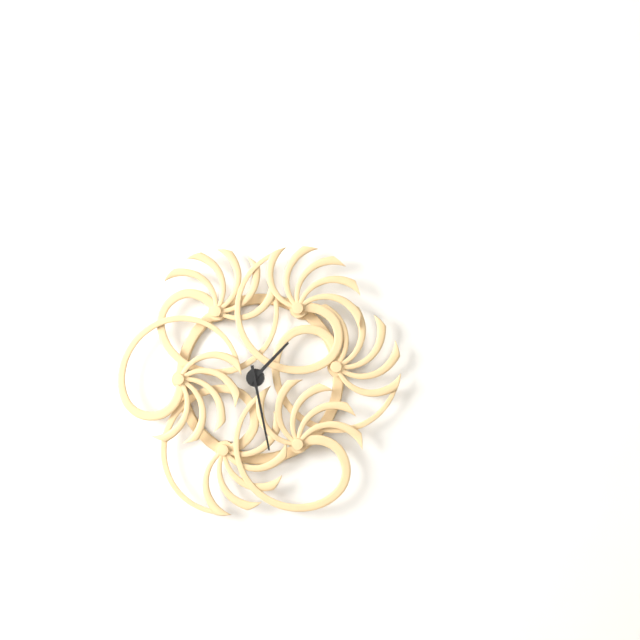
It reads **1:28**
